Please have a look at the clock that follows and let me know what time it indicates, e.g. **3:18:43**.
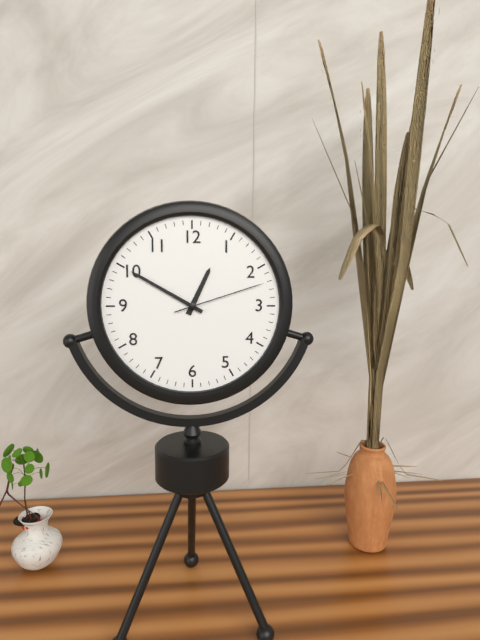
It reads **12:50:12**
